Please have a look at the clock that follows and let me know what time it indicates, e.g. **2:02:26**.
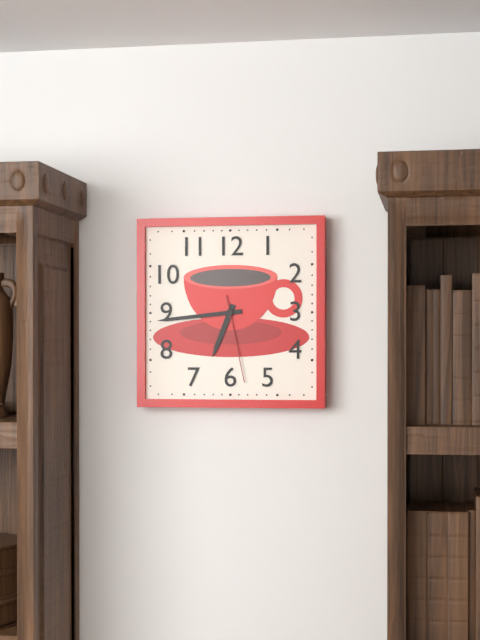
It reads **6:44:28**
